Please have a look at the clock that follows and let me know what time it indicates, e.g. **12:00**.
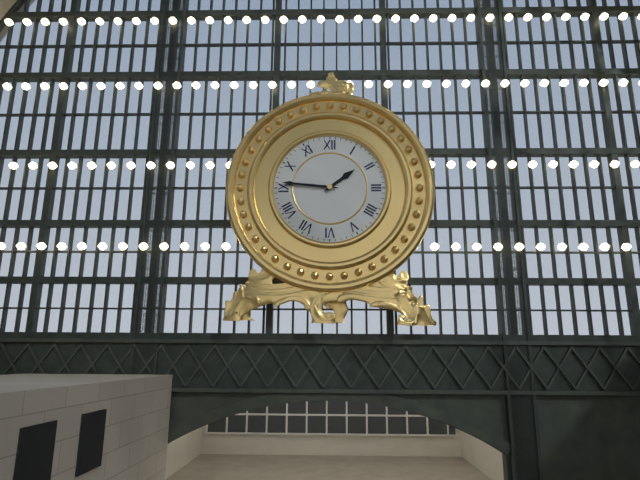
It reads **1:46**
